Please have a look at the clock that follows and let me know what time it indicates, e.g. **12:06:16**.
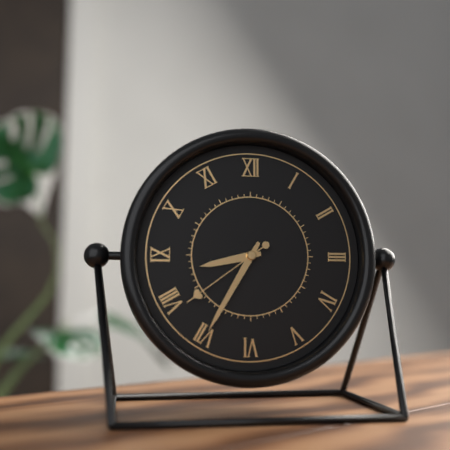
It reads **8:35:39**
